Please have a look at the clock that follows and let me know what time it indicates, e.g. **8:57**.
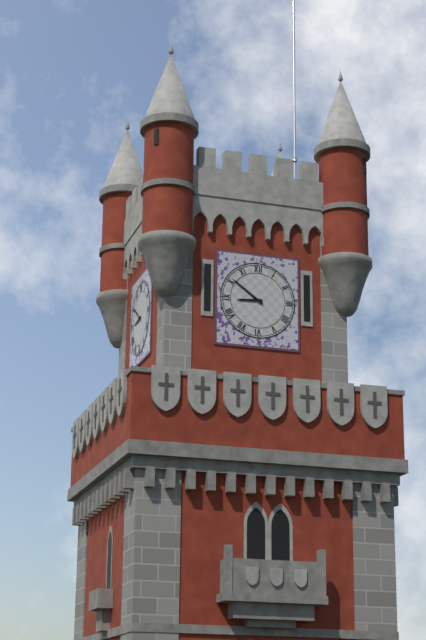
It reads **8:51**
